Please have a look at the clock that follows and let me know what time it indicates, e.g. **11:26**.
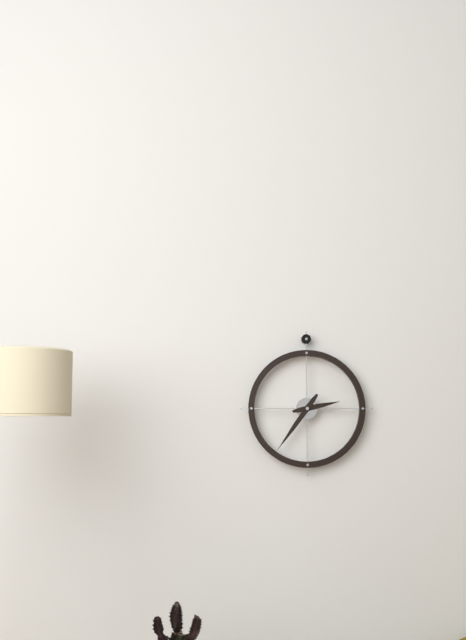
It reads **2:36**
